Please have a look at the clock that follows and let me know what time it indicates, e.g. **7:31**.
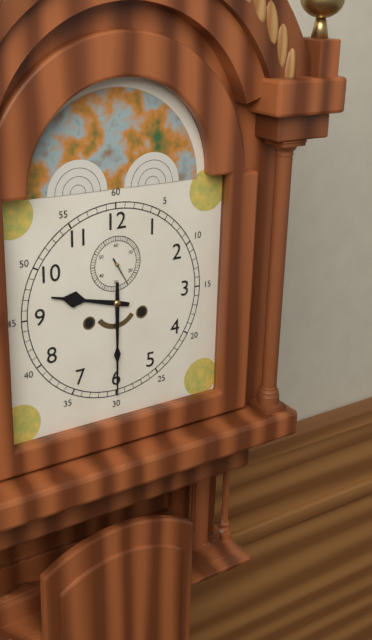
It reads **9:30**
